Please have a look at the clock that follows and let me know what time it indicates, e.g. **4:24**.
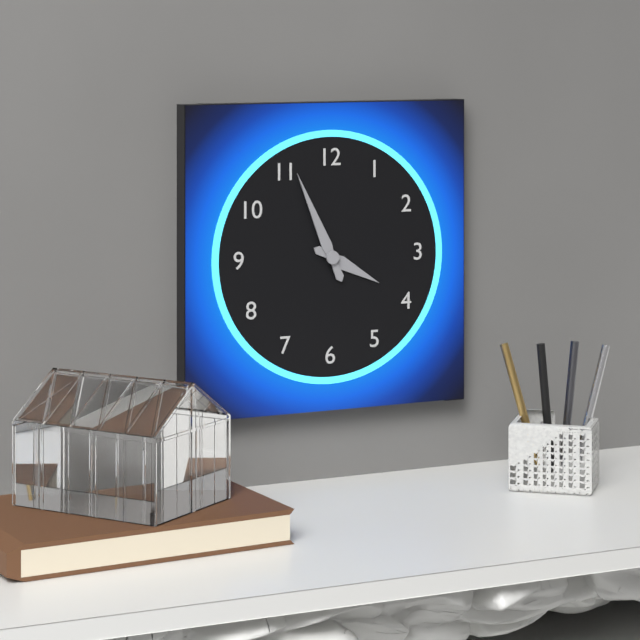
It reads **3:56**
